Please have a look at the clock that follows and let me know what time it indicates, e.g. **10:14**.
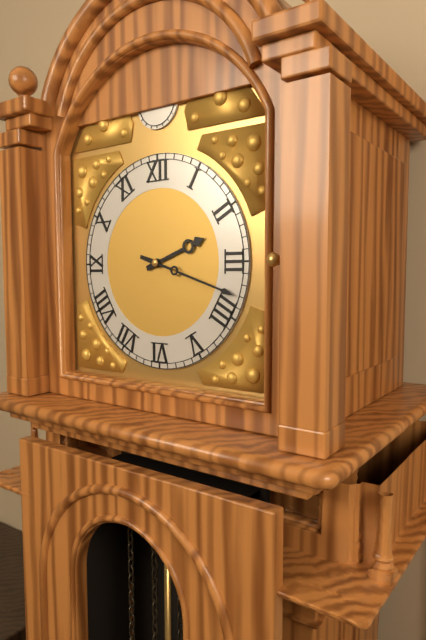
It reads **2:18**
